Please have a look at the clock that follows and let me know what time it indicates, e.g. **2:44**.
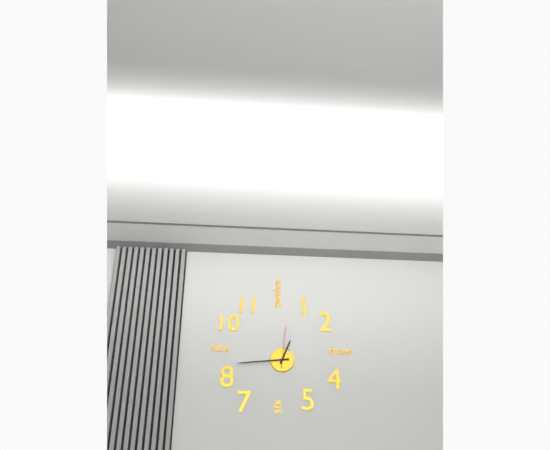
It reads **12:44**
